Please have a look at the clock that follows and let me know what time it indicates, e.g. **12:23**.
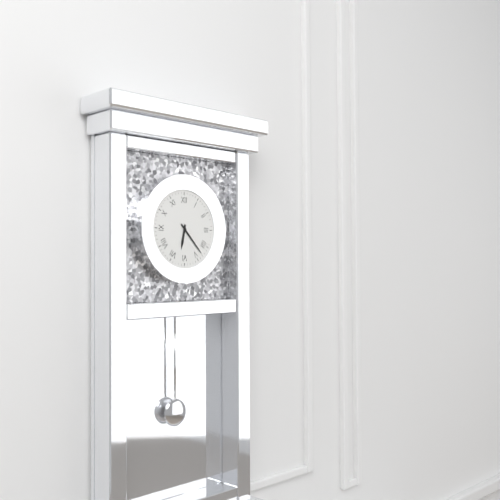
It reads **6:23**
